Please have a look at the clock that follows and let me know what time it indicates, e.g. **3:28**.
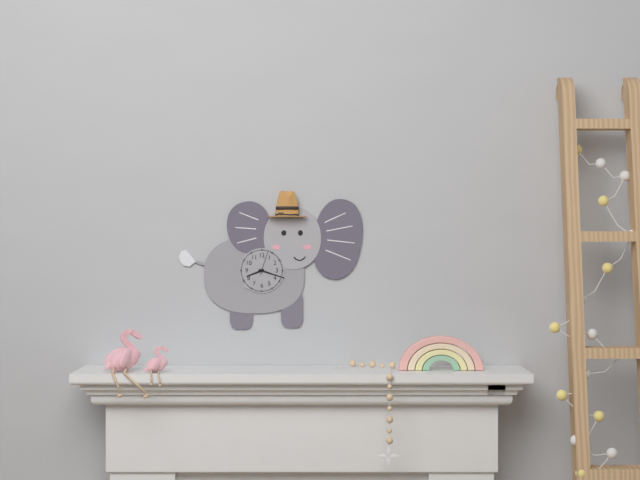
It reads **8:18**
